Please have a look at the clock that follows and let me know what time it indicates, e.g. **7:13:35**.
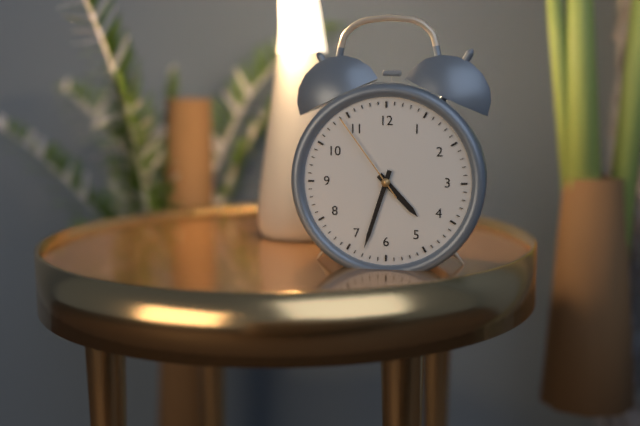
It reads **4:33:54**
